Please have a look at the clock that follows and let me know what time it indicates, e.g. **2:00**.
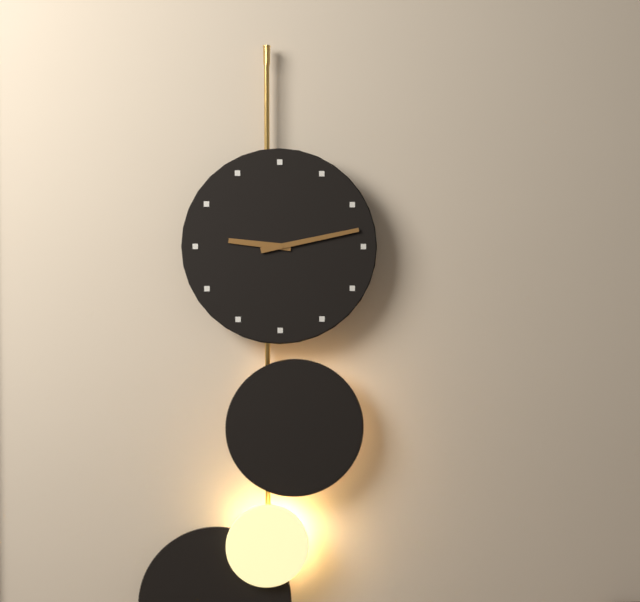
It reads **9:13**
